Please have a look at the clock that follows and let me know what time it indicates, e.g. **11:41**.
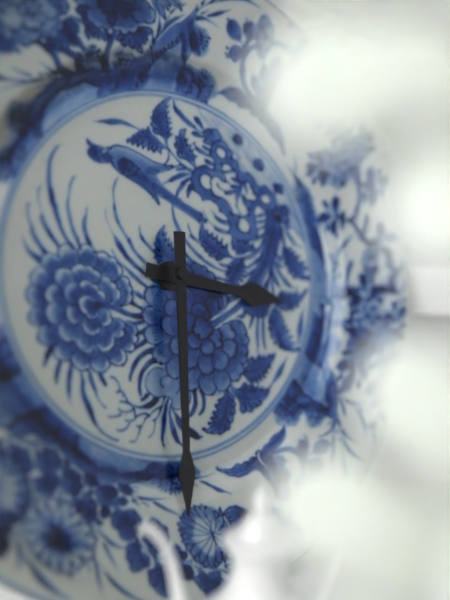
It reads **3:31**
